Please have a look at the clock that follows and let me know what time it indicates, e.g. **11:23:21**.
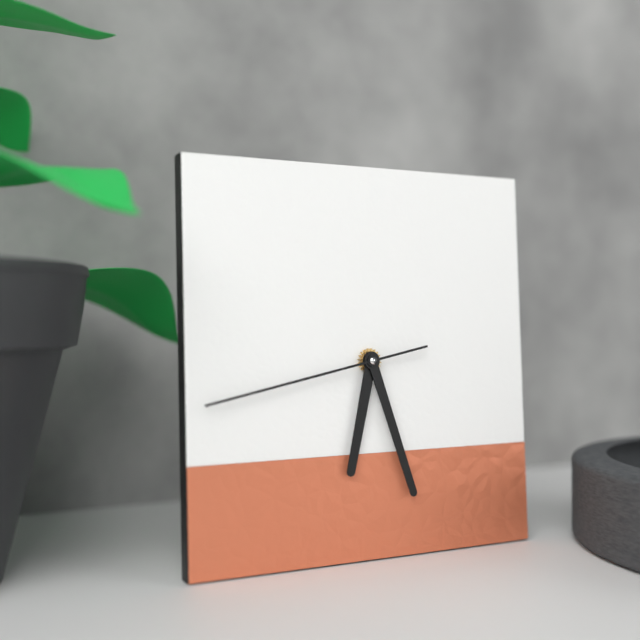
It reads **6:27:43**
